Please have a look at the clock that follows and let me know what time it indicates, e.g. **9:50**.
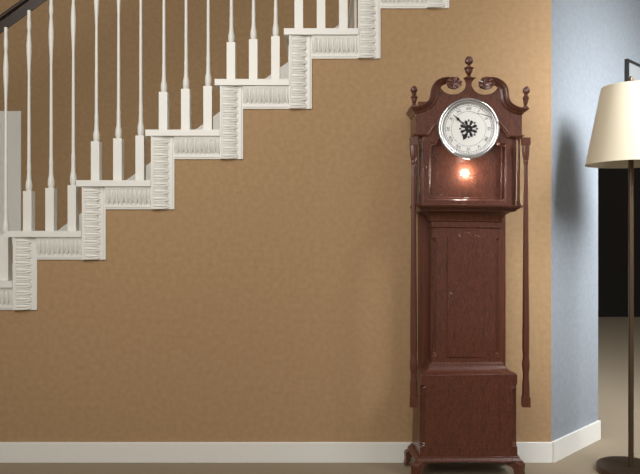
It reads **6:52**
